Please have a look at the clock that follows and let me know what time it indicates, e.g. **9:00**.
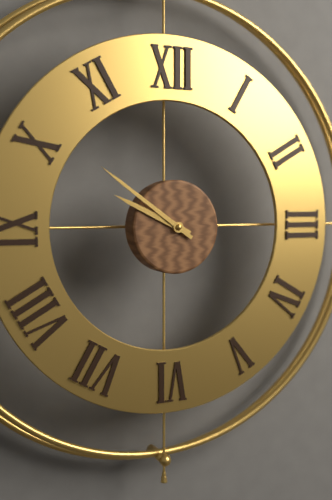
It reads **9:51**
